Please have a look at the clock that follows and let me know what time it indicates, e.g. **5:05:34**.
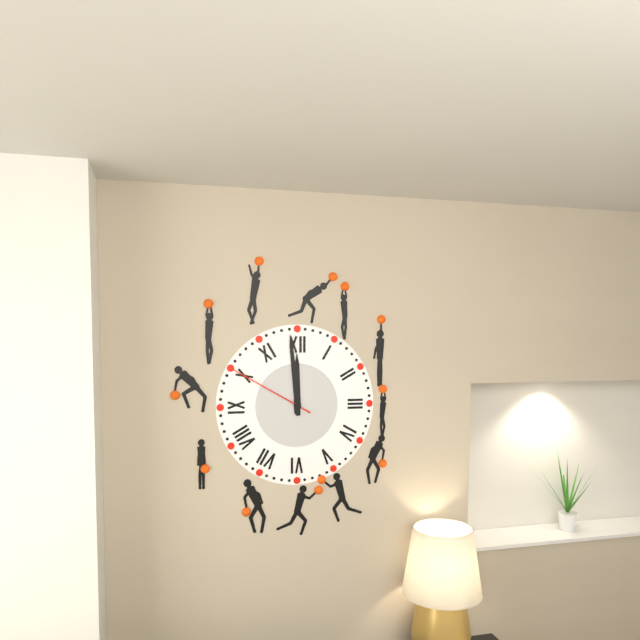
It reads **11:59:50**
